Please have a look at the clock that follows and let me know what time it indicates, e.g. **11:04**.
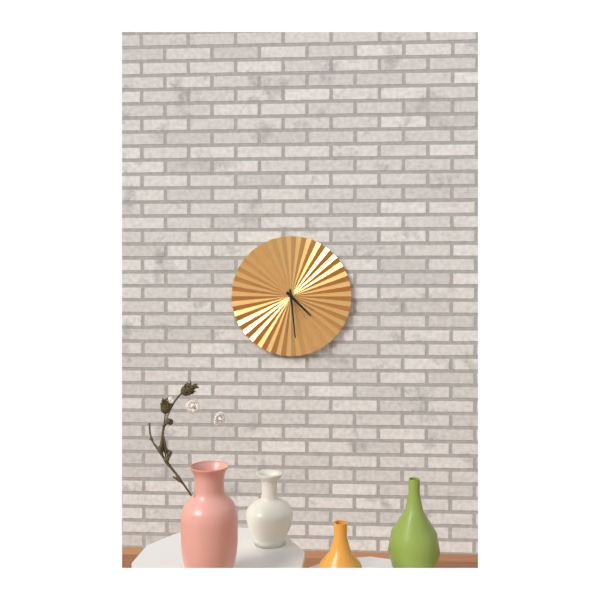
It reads **4:29**
